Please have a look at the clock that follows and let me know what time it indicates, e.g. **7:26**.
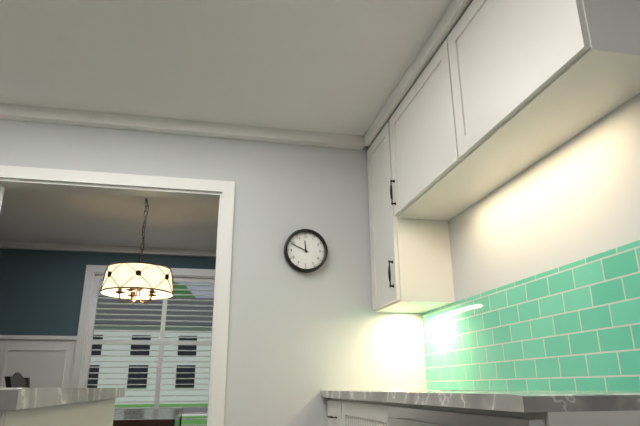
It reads **11:49**
